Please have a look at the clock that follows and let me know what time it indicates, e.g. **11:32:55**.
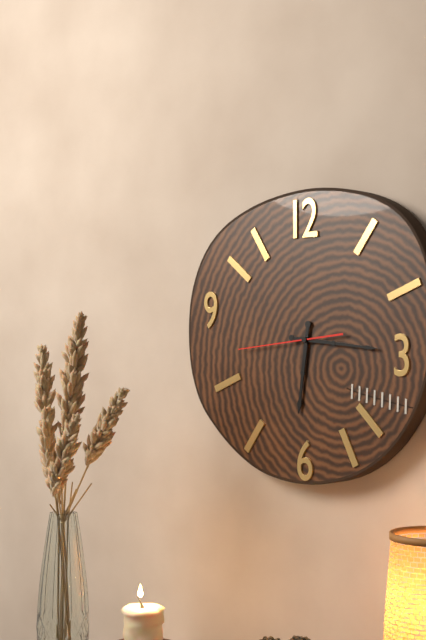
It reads **6:16:44**
